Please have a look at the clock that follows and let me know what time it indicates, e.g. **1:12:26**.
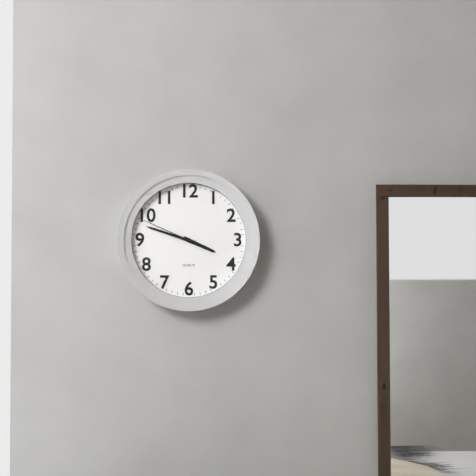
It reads **3:48:49**
